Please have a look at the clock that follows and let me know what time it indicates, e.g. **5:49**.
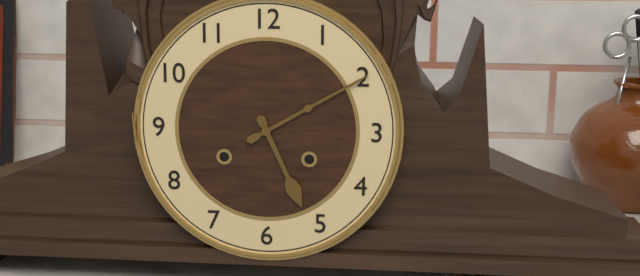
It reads **5:10**
